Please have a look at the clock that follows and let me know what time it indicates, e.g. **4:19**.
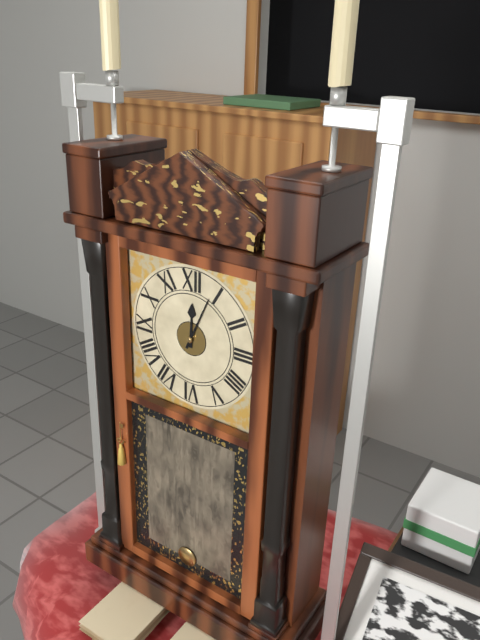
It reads **12:04**
